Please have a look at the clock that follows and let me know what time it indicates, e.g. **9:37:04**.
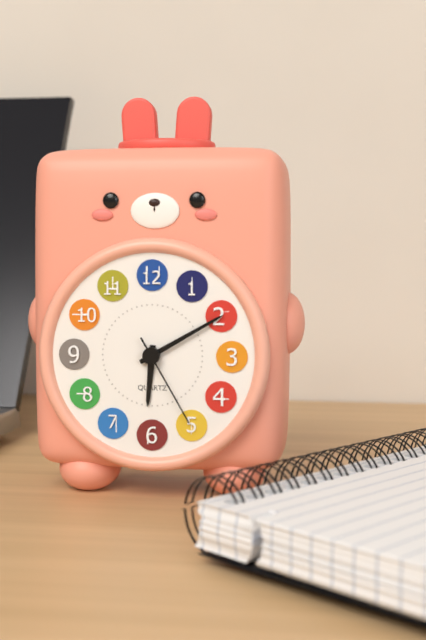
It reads **6:10:25**
